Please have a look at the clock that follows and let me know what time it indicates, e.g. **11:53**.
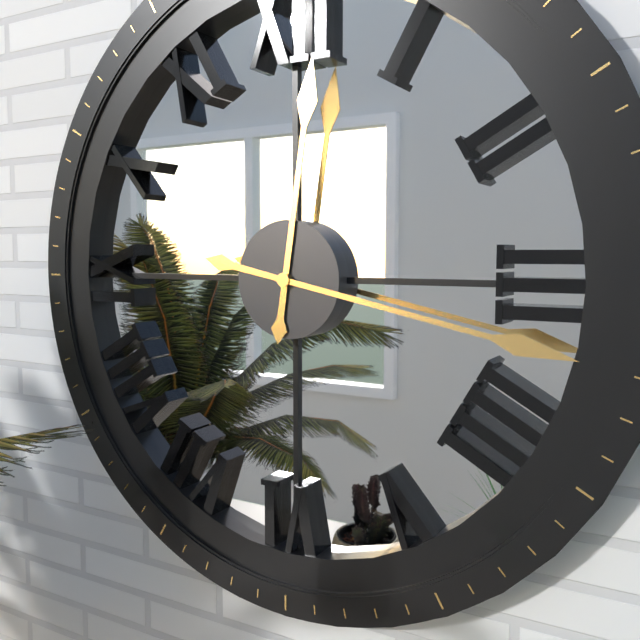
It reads **12:17**
